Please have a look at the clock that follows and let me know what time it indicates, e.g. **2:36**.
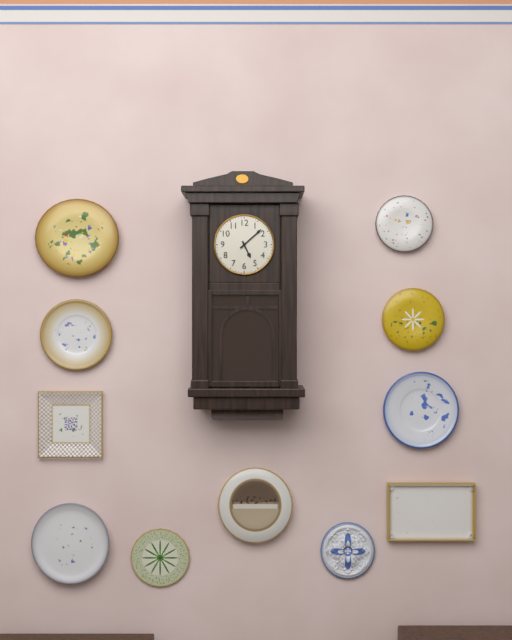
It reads **5:08**
